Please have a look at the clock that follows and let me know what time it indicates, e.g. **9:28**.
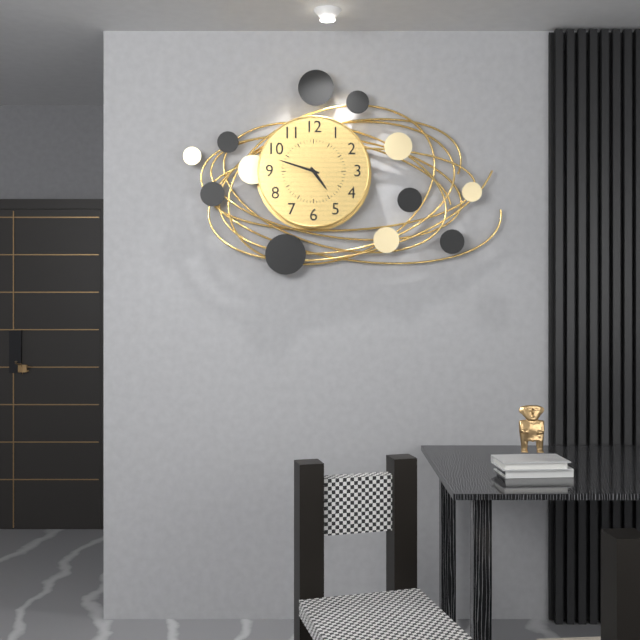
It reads **4:48**
